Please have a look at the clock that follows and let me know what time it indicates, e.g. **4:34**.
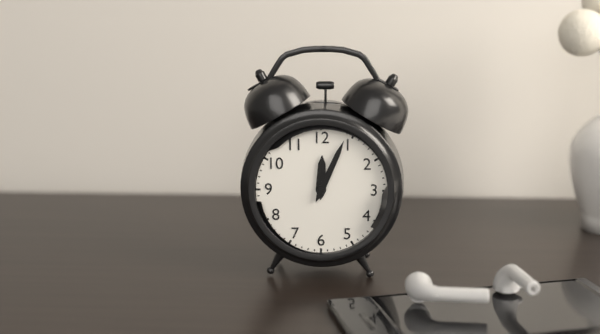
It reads **12:04**
